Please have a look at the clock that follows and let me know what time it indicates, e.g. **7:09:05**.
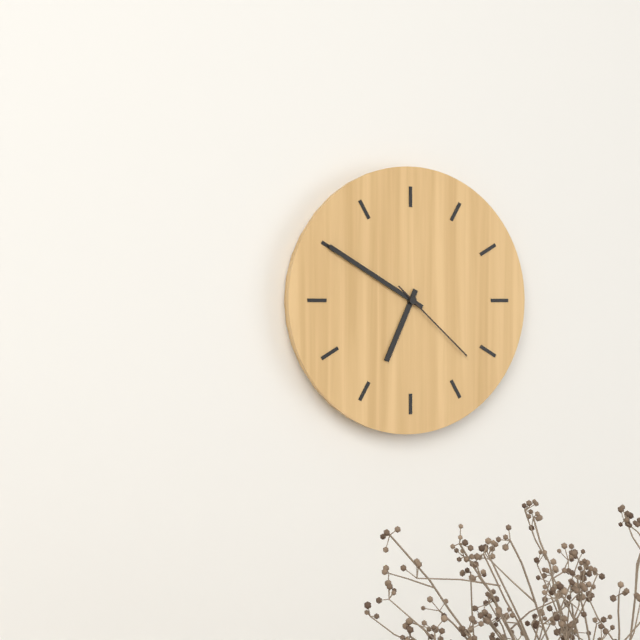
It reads **6:50:22**
